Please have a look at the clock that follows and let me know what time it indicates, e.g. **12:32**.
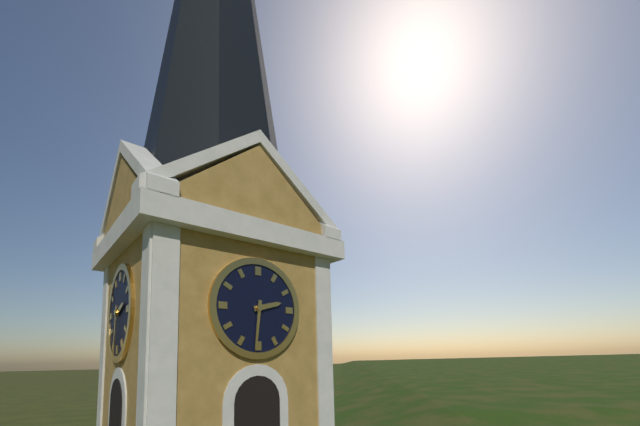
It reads **2:31**
